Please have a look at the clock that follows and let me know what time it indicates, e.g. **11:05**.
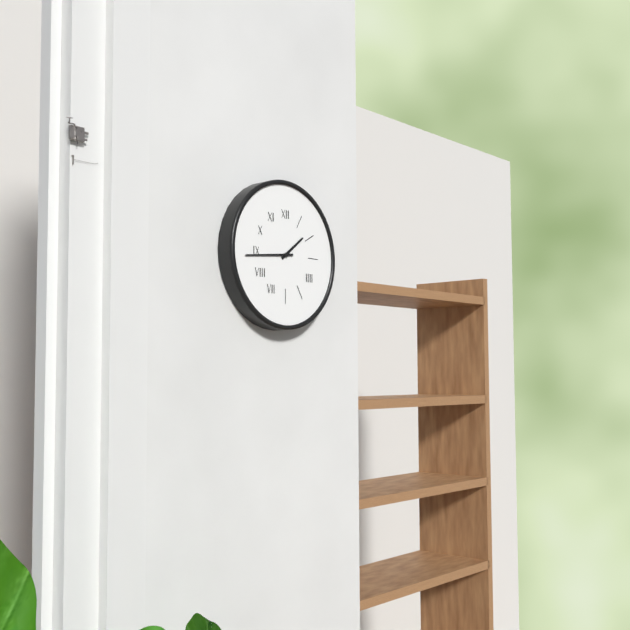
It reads **1:44**
